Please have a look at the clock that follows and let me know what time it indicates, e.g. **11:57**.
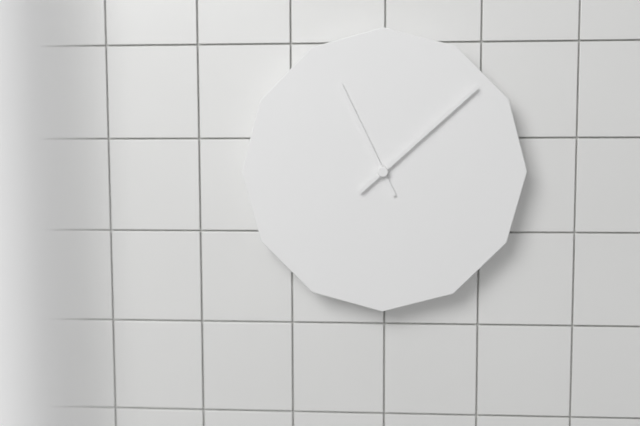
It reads **11:08**
